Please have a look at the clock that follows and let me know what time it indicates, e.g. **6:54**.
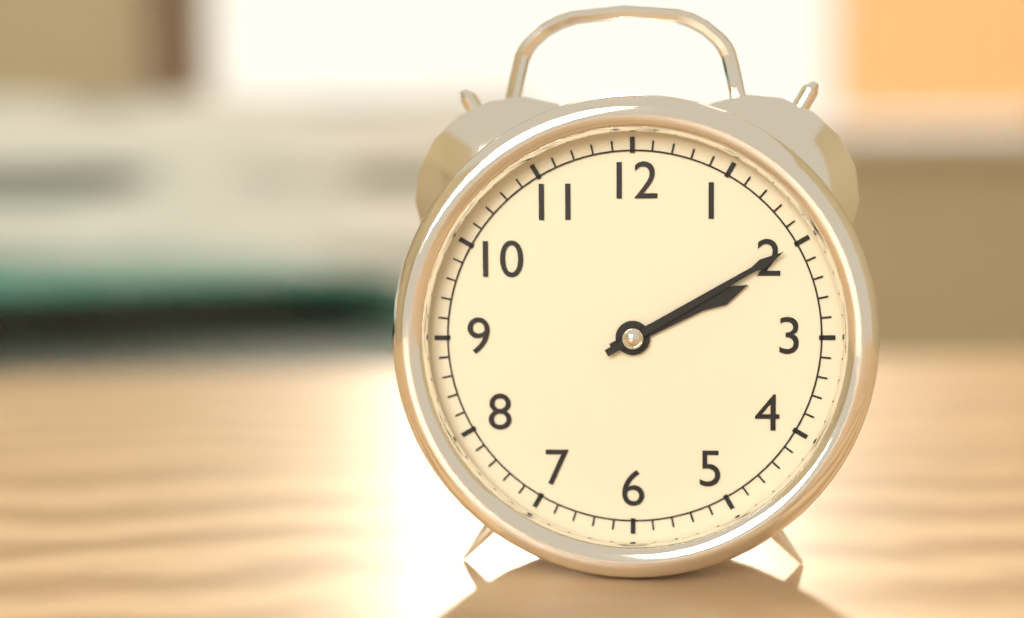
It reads **2:10**
